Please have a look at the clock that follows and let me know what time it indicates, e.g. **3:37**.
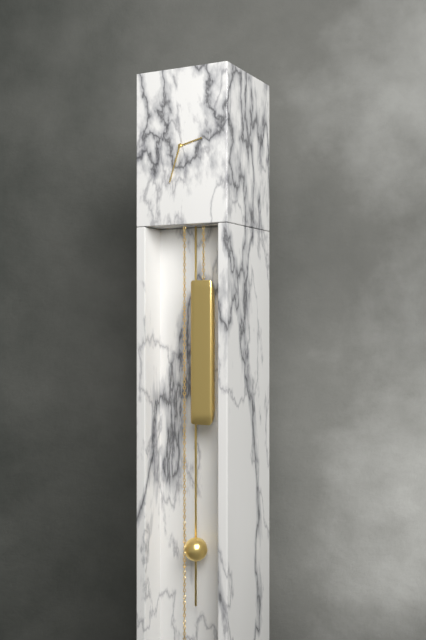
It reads **2:33**
